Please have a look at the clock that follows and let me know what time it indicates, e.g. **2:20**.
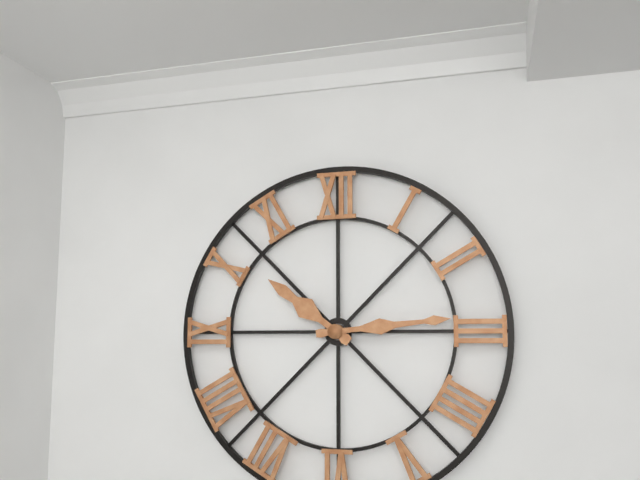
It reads **10:14**
